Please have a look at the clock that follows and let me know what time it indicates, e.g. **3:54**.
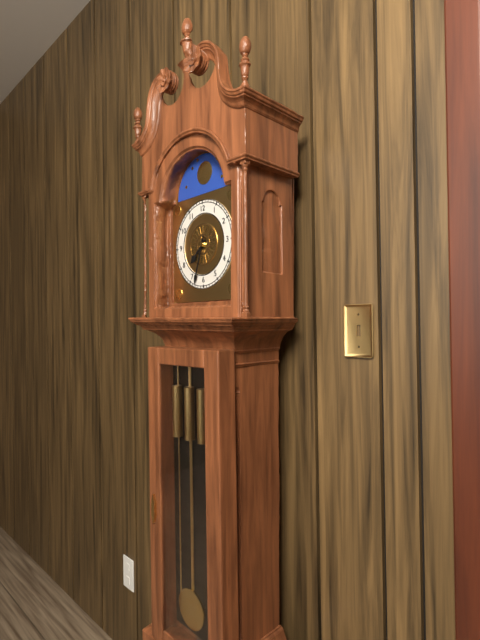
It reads **7:33**
